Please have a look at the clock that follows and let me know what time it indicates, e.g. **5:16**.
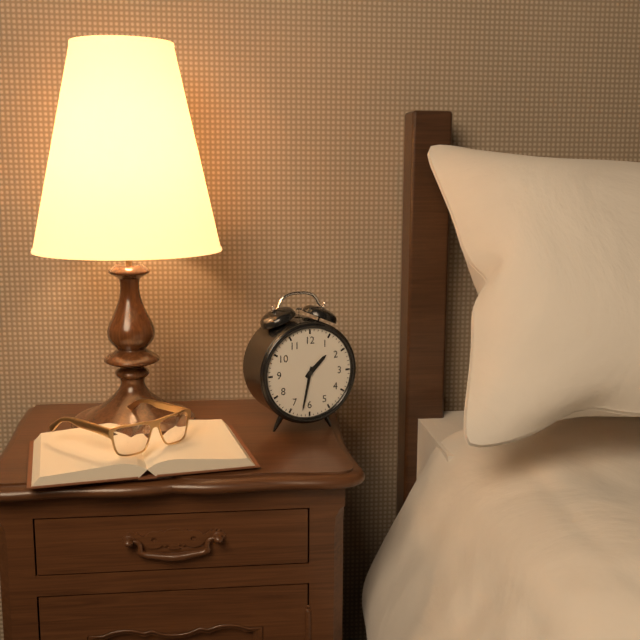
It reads **1:32**
